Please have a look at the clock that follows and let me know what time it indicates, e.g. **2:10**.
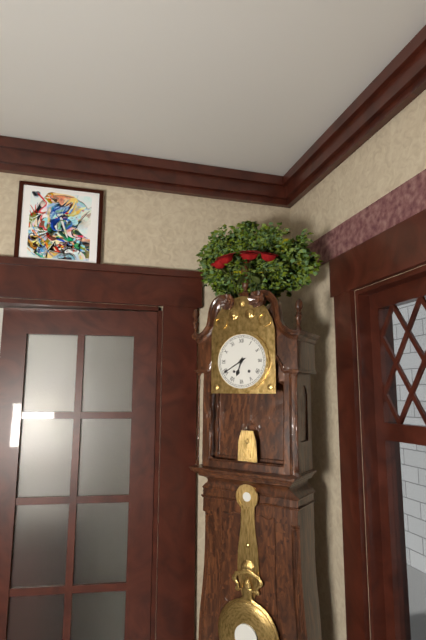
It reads **6:40**
